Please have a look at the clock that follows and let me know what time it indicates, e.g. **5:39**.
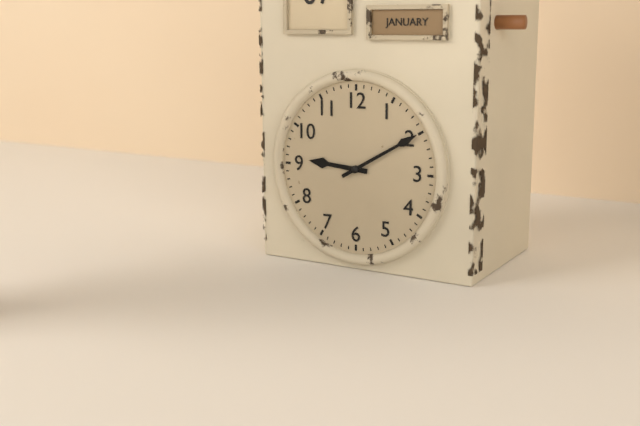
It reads **9:10**
